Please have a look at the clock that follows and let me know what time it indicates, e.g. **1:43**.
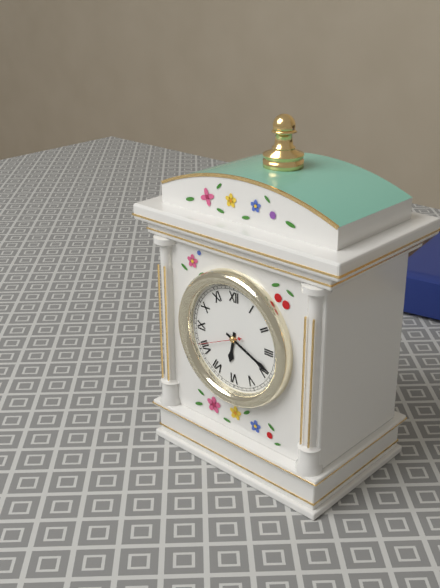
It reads **6:19**
